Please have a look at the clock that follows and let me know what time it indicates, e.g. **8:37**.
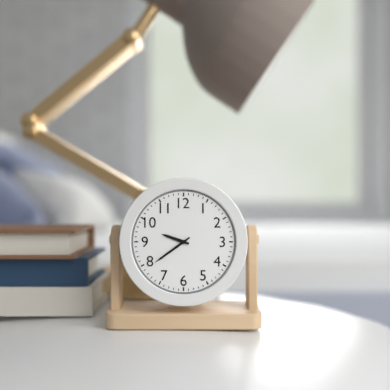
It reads **9:39**
